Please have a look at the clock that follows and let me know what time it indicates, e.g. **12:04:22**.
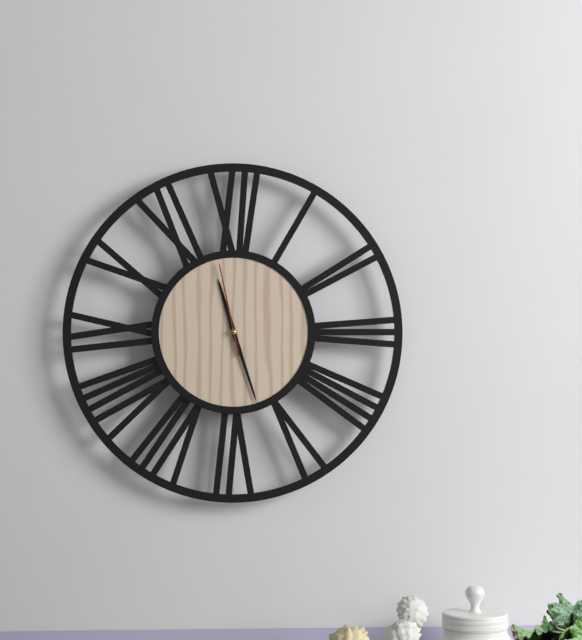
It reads **11:27:58**
